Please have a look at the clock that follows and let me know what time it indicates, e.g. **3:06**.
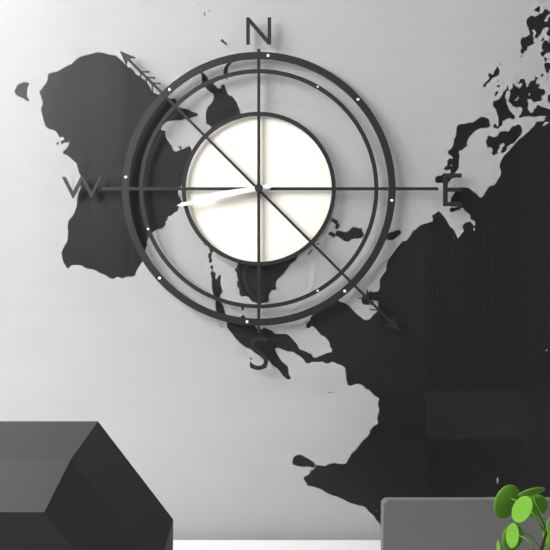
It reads **8:43**
